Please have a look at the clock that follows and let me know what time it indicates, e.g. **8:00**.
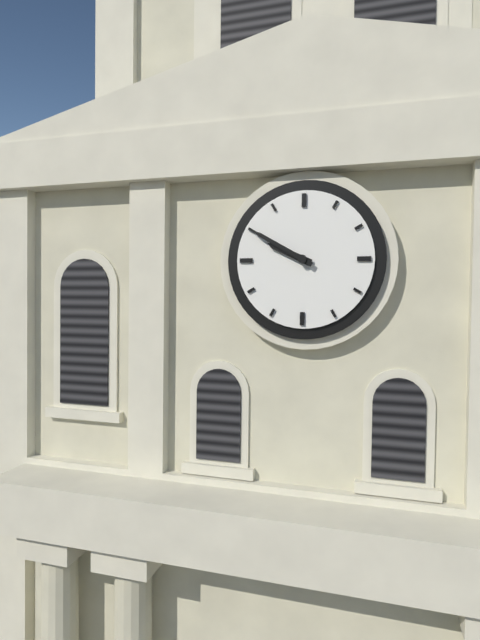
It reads **9:50**
